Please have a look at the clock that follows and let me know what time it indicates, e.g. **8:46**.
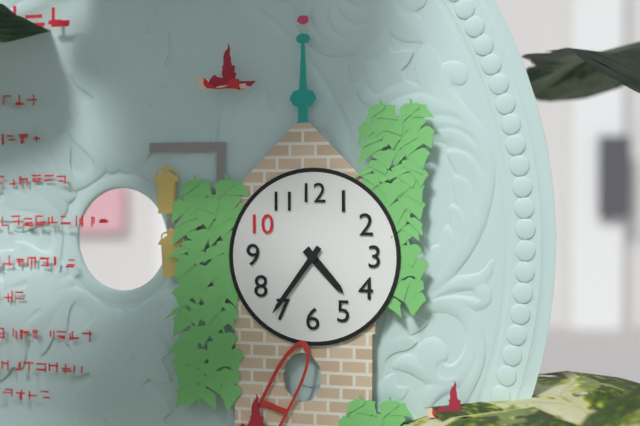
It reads **4:36**
